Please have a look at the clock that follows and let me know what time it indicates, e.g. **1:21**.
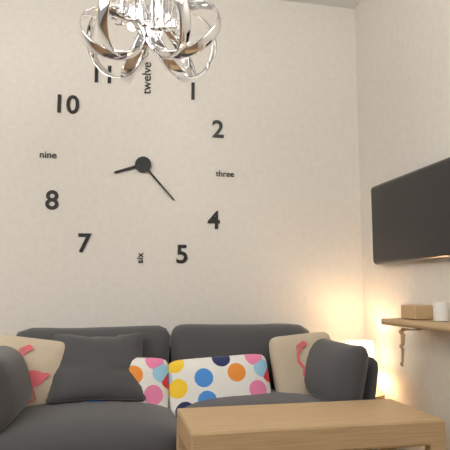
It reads **8:23**
